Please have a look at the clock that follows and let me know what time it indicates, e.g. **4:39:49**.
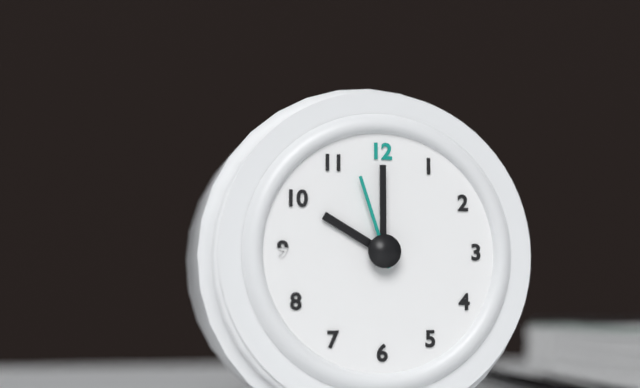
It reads **10:00:57**
